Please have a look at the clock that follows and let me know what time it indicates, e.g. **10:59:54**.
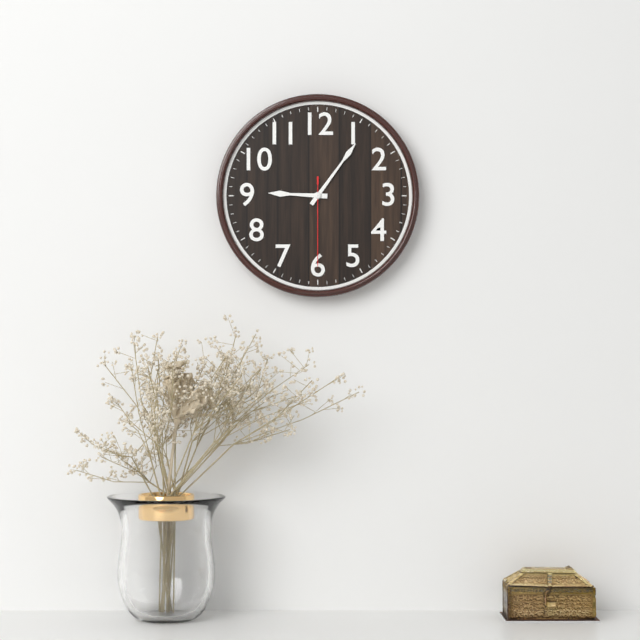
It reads **9:06:30**
